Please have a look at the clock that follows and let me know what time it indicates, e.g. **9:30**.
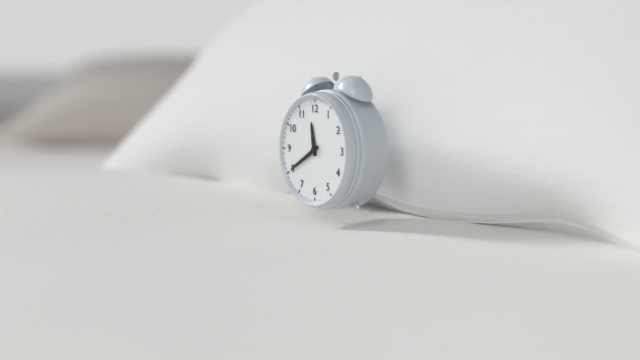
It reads **11:40**
